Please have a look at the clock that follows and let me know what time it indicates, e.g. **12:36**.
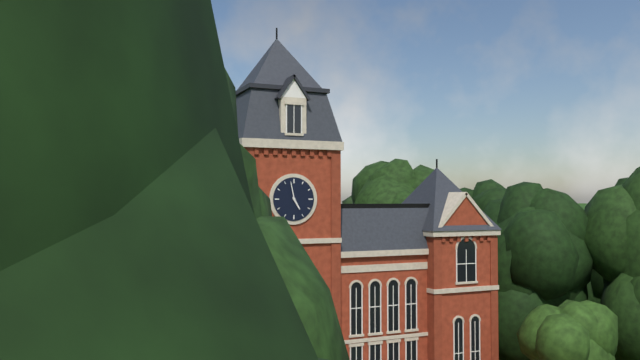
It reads **4:58**
